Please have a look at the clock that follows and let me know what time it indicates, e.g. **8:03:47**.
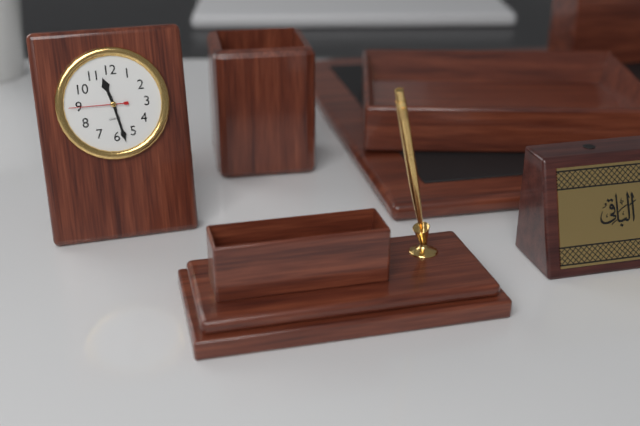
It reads **11:28:45**
